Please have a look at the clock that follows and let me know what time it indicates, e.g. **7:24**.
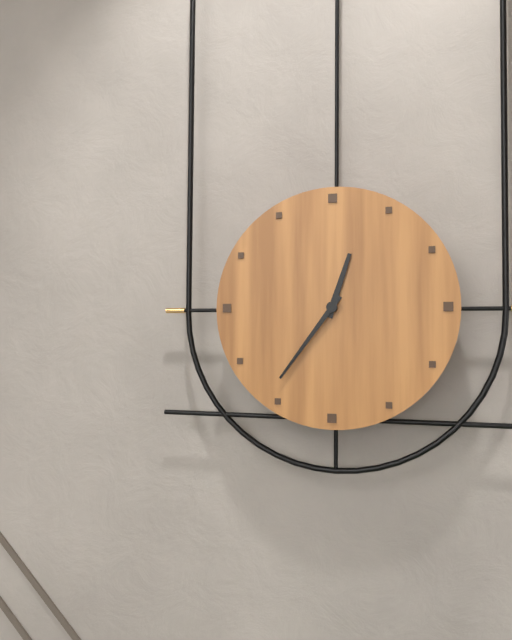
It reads **12:36**
